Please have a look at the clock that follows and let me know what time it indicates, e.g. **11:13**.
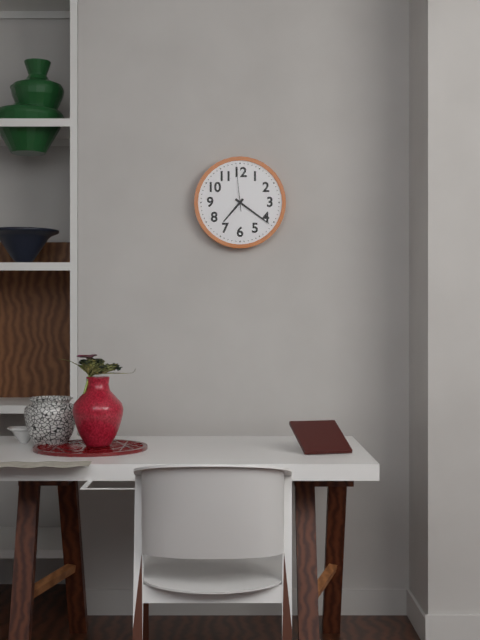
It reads **7:21**
